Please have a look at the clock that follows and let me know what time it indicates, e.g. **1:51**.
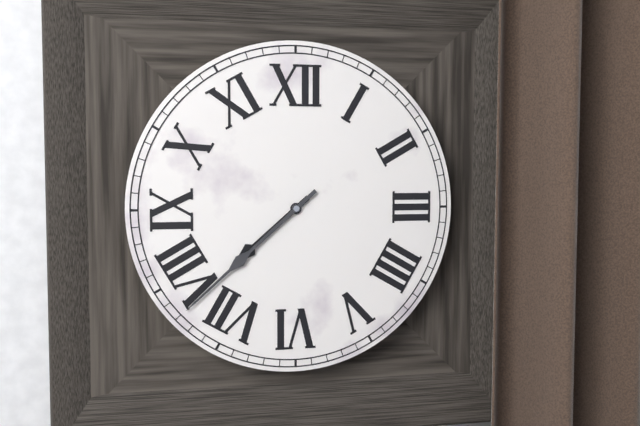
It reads **7:38**
